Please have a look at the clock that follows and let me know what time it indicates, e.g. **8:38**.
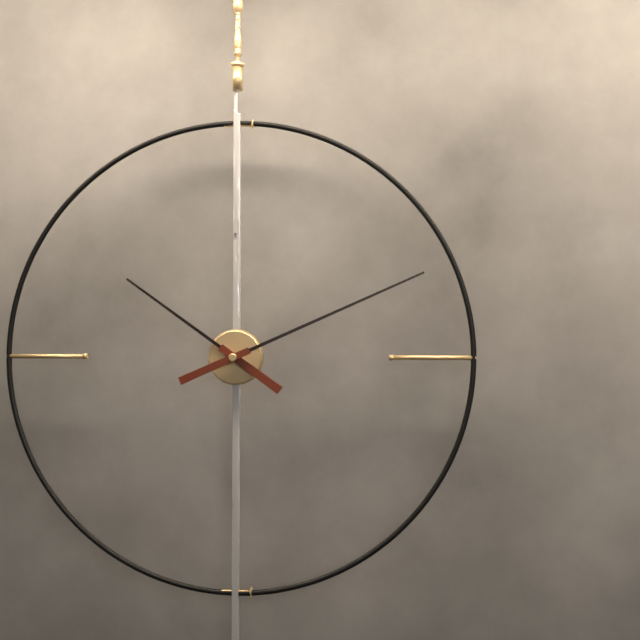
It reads **10:11**
